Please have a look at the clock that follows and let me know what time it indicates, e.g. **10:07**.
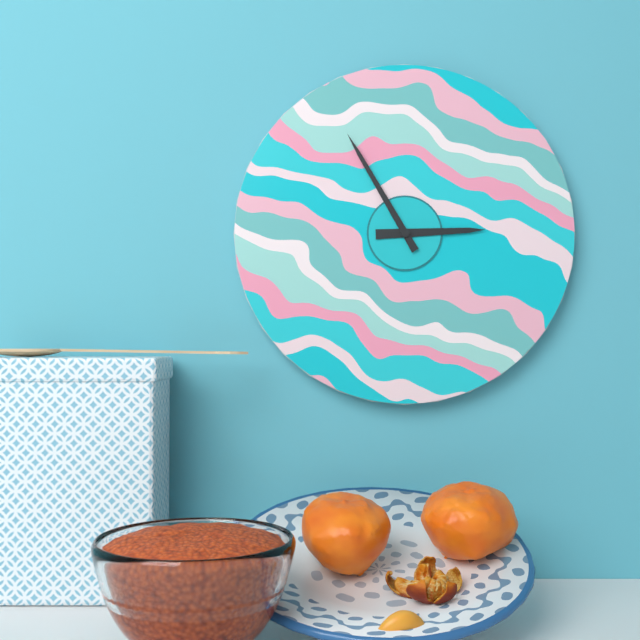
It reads **2:55**
